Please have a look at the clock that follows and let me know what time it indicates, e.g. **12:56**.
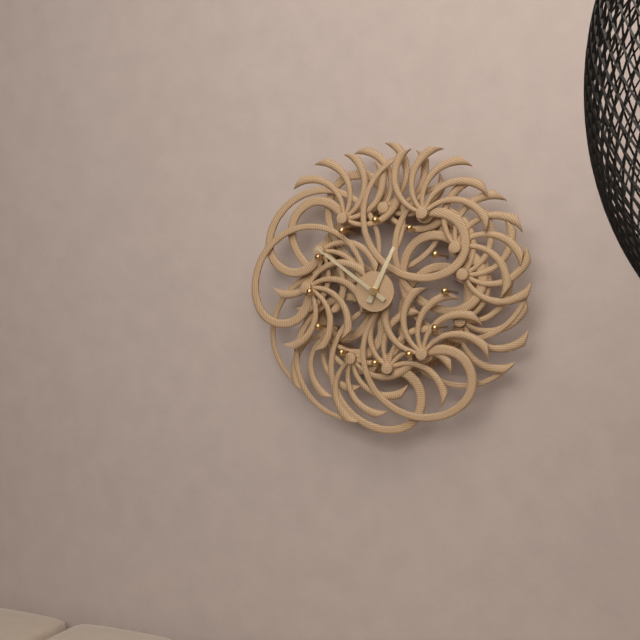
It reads **12:51**
